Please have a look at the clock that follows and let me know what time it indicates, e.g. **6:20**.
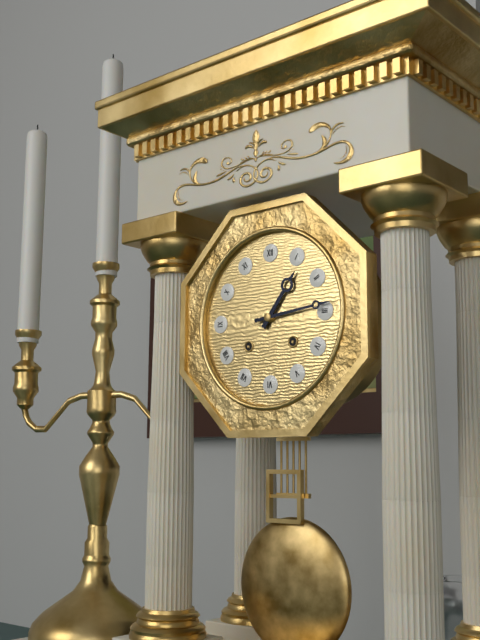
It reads **1:14**
